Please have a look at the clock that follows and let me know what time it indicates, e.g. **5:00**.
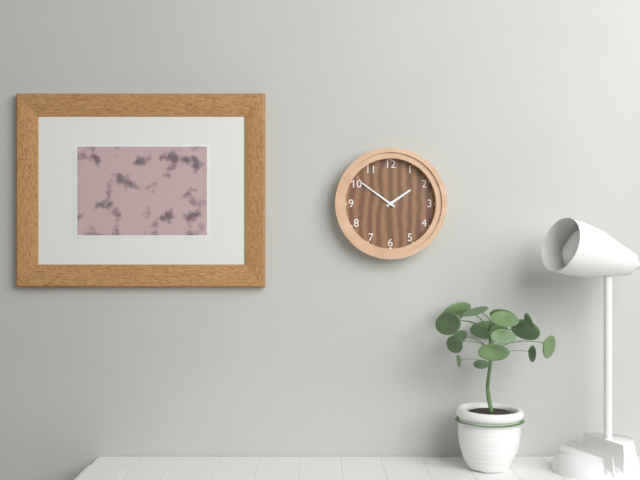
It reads **1:51**
